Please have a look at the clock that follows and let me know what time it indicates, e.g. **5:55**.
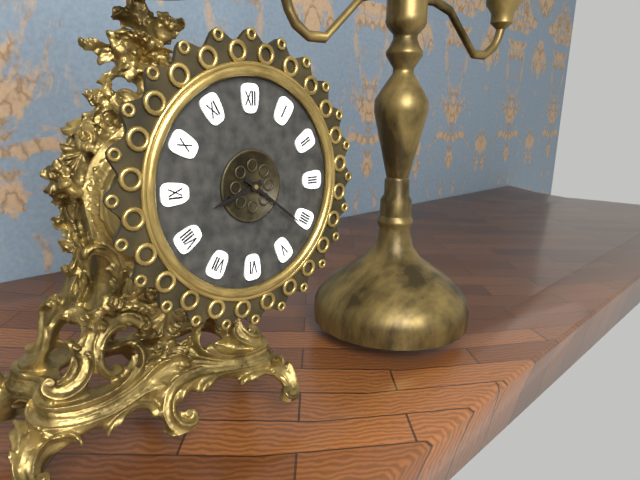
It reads **8:21**
